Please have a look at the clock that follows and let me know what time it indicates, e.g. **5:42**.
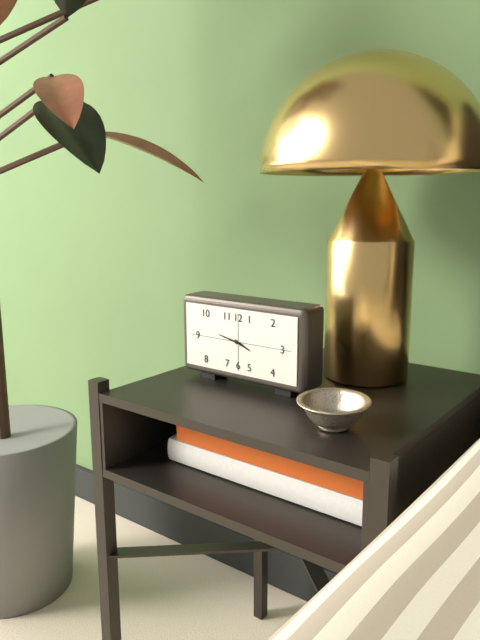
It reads **3:47**
